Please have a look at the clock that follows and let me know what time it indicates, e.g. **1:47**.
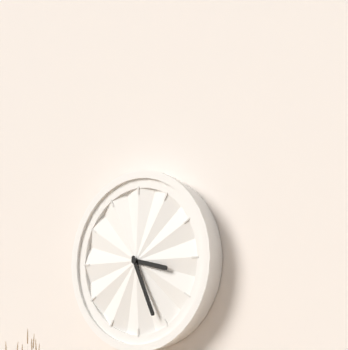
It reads **3:26**
